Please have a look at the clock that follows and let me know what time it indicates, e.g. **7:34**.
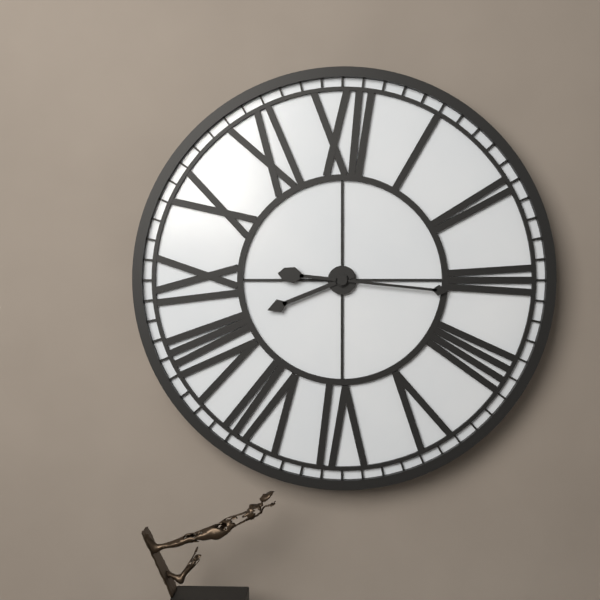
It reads **8:16**
